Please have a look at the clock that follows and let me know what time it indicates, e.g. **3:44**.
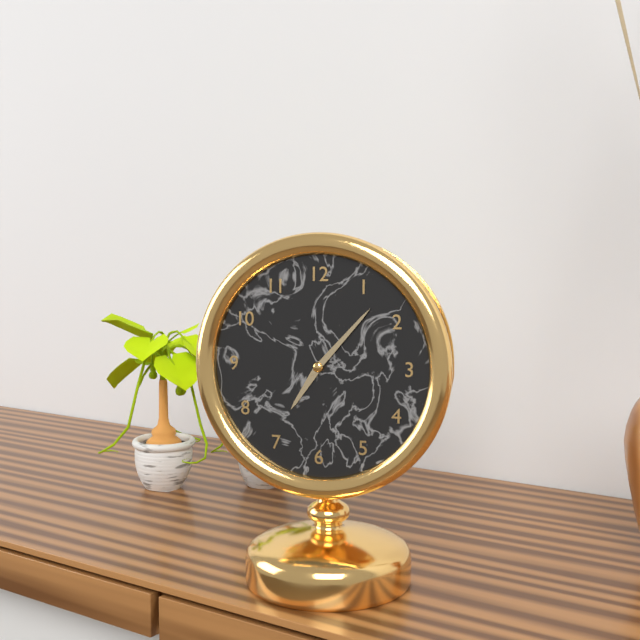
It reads **7:07**
